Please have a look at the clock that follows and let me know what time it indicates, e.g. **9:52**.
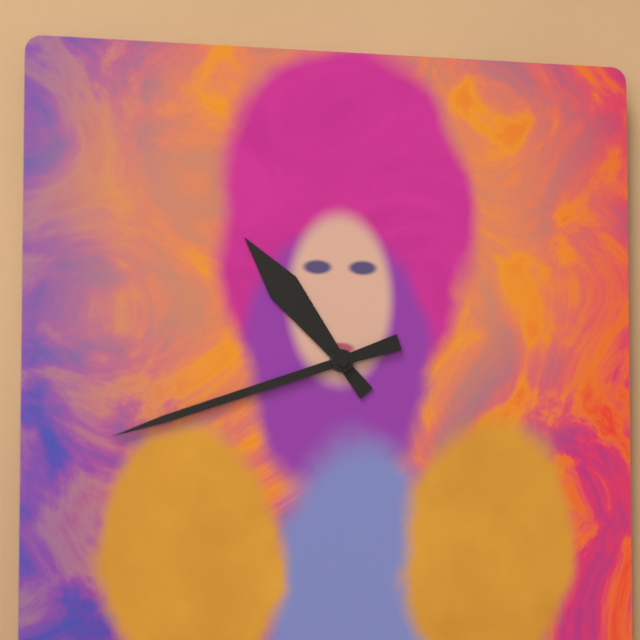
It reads **10:42**
